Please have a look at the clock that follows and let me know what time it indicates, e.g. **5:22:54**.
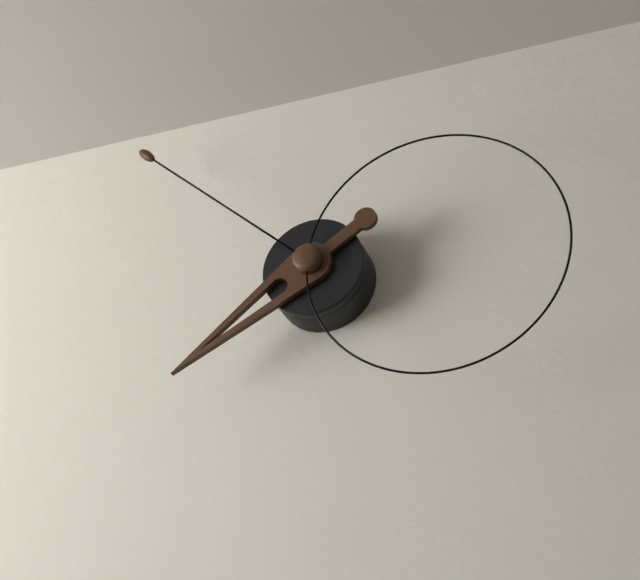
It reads **7:52:16**
